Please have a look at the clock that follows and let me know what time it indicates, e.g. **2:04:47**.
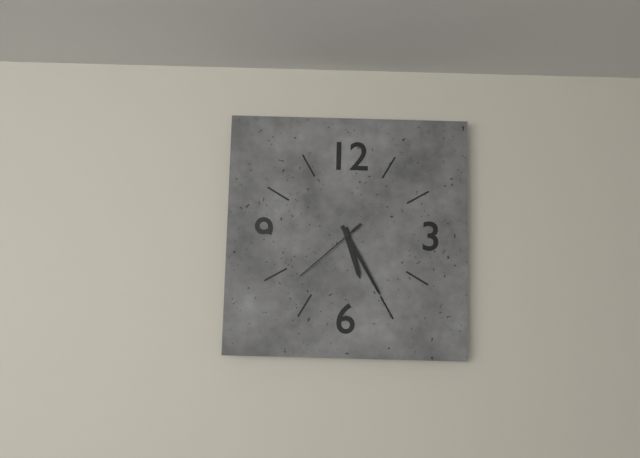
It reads **5:25:38**
